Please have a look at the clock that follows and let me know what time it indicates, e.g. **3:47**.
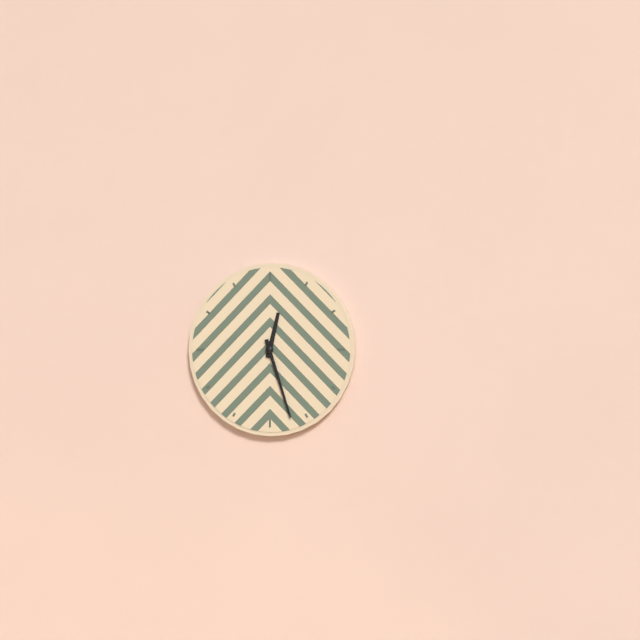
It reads **12:27**
